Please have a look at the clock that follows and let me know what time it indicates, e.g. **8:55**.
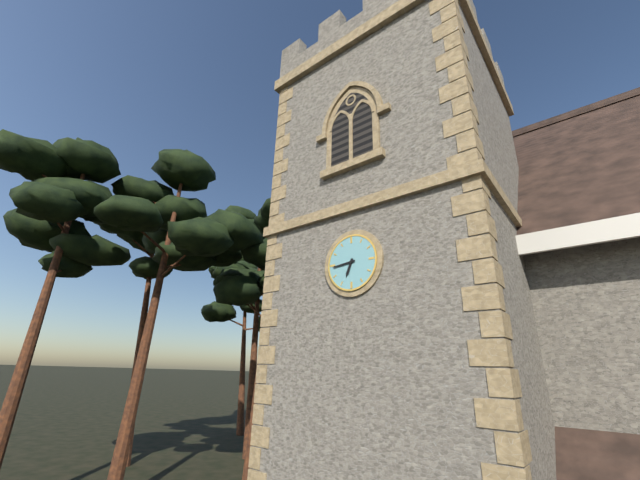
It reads **6:44**
